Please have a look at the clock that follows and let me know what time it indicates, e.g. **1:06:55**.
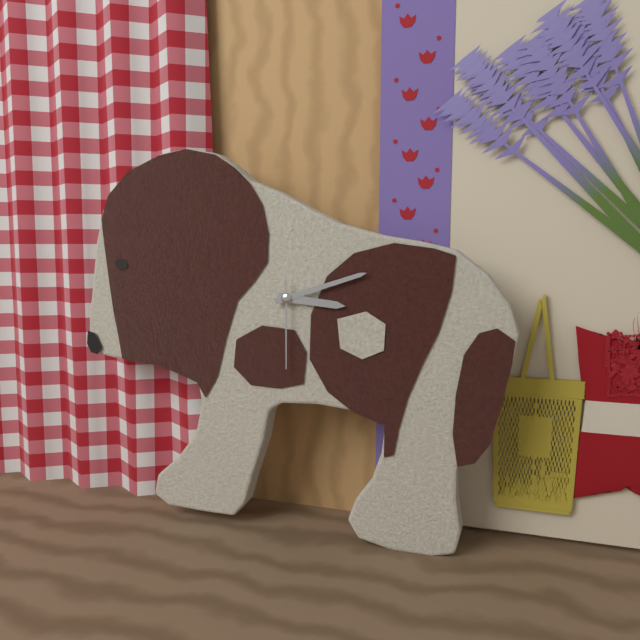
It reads **3:12:30**
